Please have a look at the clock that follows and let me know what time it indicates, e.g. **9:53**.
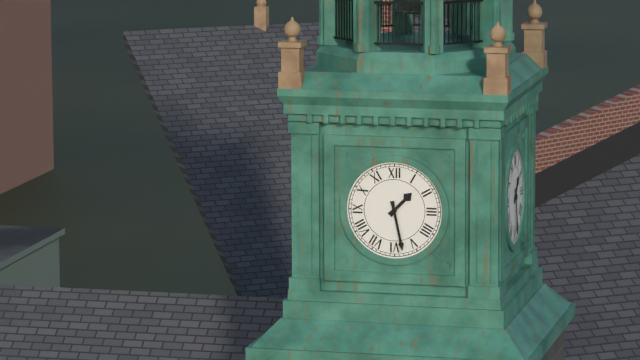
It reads **1:28**
